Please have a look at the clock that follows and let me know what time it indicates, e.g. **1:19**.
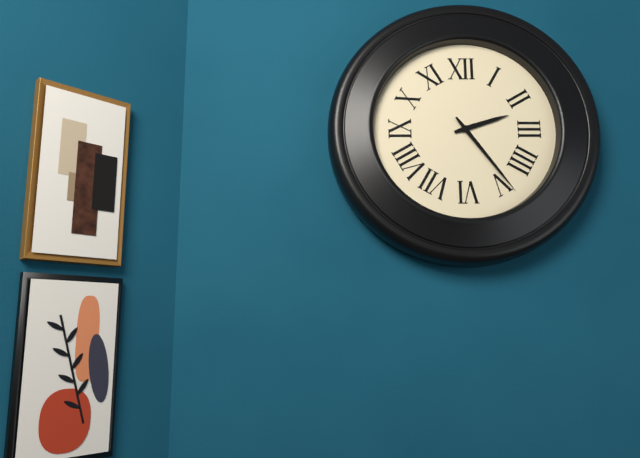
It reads **2:24**
